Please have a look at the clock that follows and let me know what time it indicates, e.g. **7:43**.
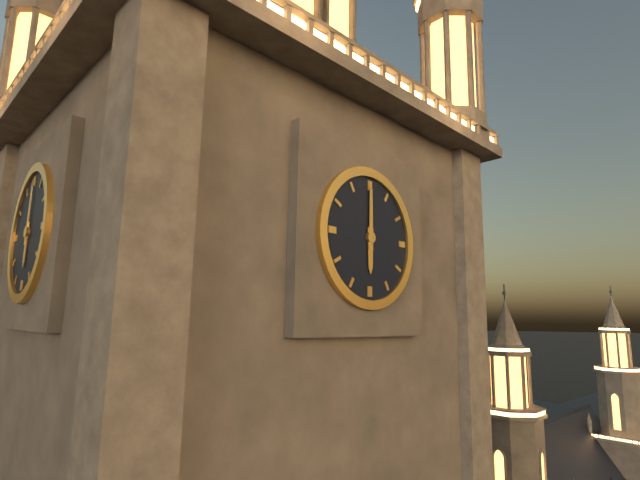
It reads **6:00**
